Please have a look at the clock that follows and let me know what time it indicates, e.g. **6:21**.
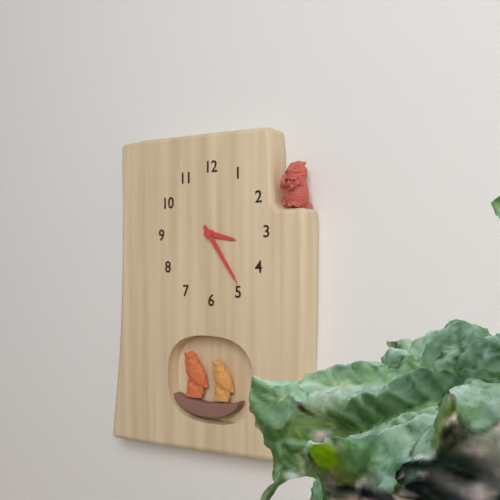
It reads **3:24**
